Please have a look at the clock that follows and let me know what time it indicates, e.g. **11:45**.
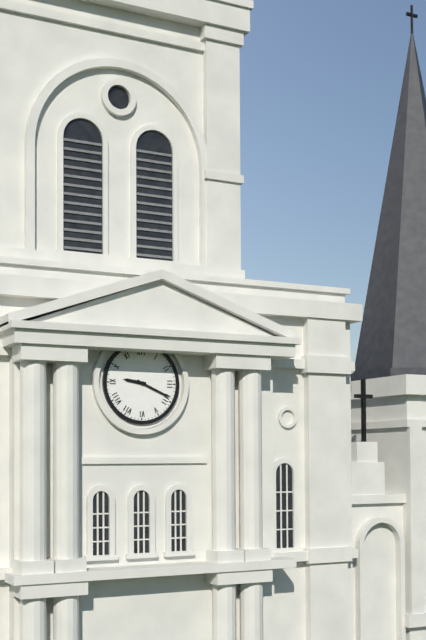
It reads **9:19**
